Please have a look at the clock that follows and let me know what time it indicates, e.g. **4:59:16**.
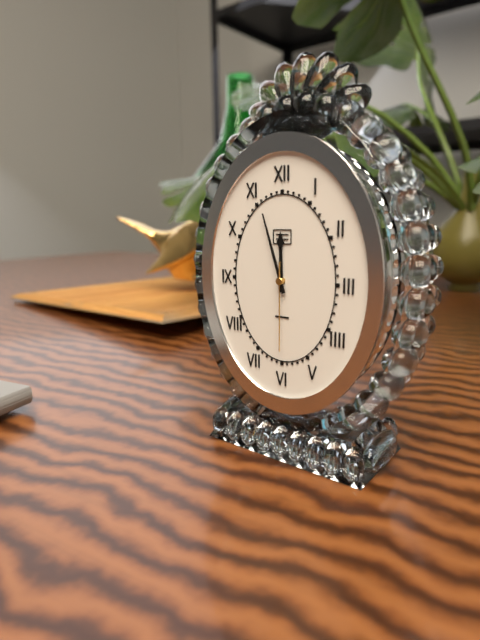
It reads **11:57:30**
